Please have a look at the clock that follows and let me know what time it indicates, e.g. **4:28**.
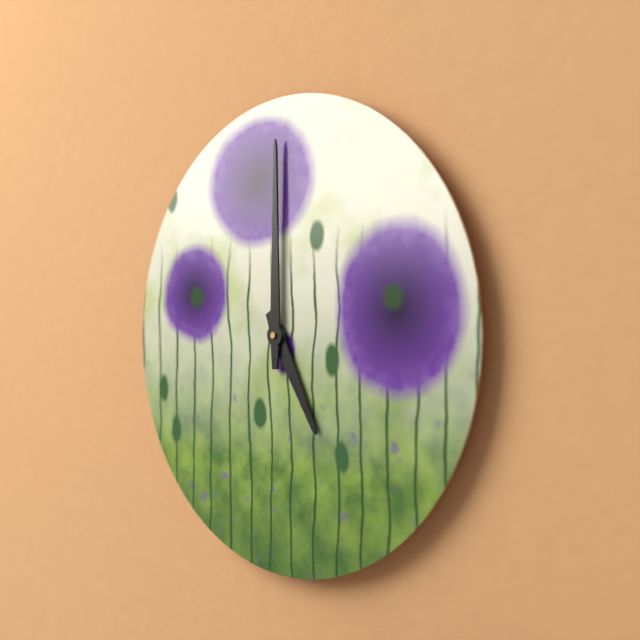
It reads **5:00**
